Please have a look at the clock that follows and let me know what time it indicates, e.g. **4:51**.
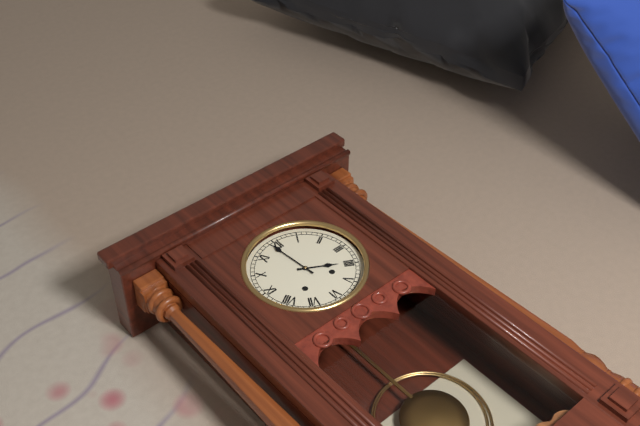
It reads **3:59**
